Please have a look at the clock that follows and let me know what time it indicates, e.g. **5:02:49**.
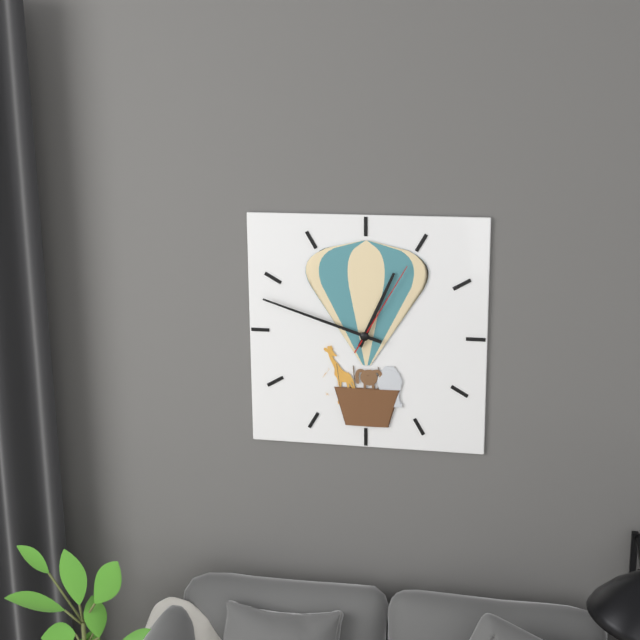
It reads **12:48:05**
